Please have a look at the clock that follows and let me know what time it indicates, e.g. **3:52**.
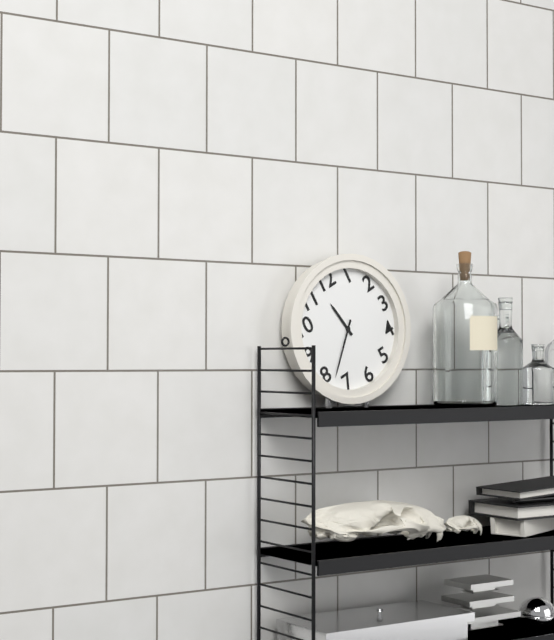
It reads **11:38**
